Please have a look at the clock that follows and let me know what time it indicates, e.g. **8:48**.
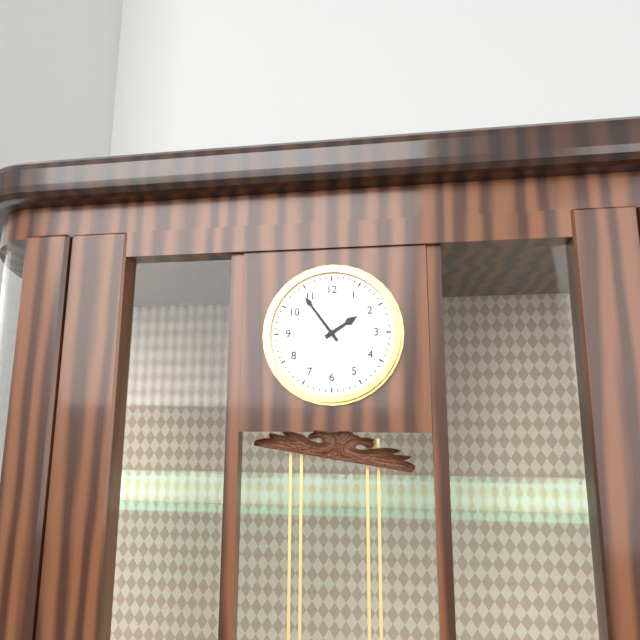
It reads **1:54**
